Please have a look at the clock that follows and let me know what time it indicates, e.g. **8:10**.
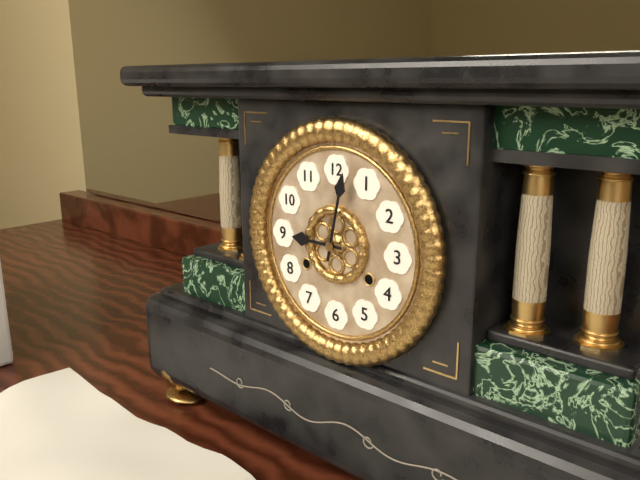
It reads **9:02**
